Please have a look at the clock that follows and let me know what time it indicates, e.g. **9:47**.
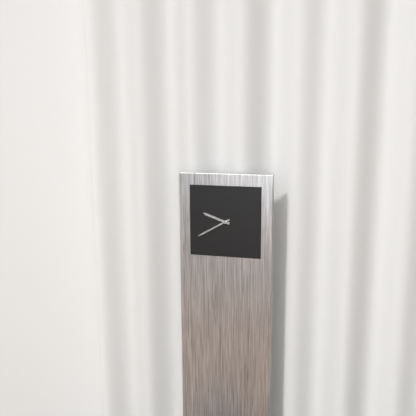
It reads **9:40**
